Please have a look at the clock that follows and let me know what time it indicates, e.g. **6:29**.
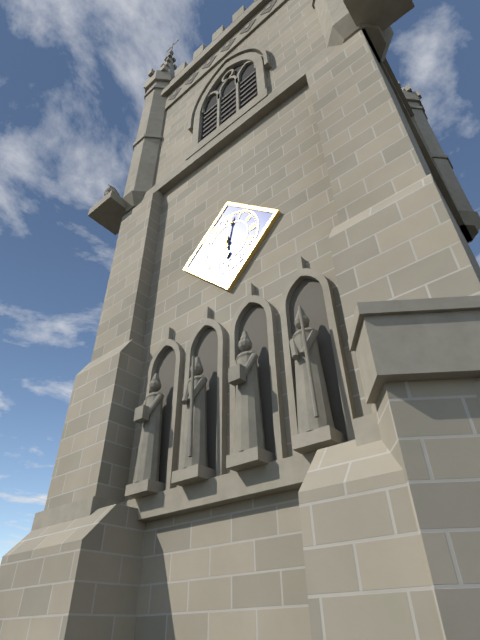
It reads **6:02**
